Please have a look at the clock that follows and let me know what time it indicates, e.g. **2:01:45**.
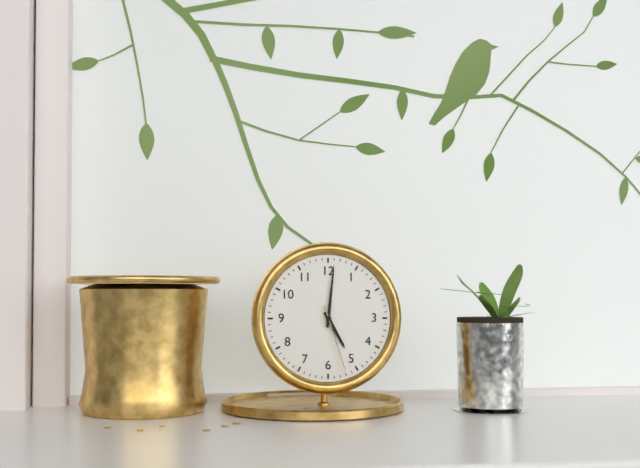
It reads **5:01:27**
